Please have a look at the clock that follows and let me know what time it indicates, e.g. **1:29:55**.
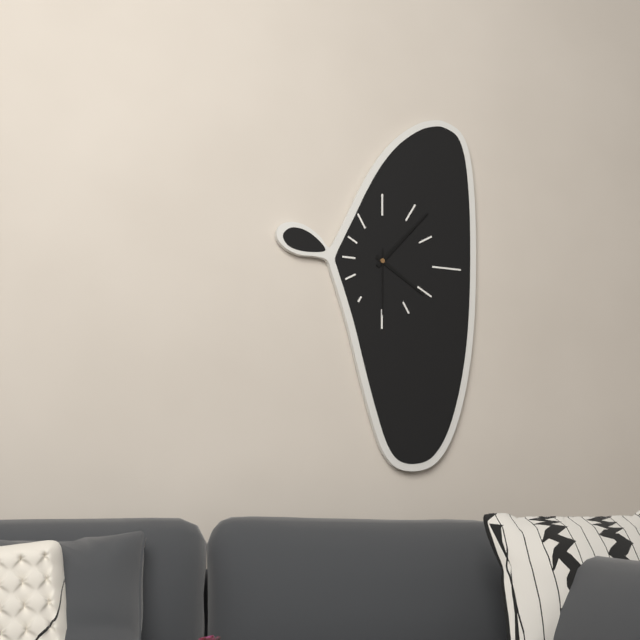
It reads **4:07:30**
